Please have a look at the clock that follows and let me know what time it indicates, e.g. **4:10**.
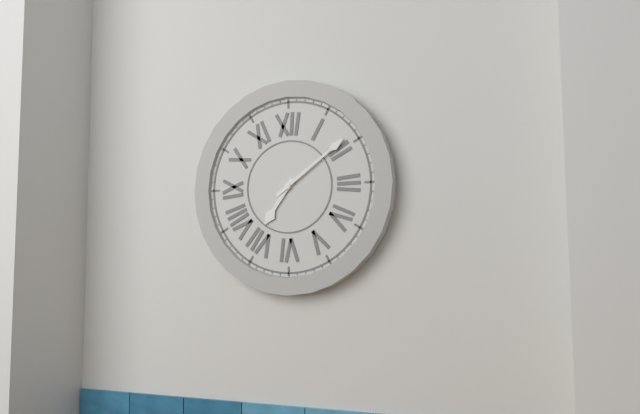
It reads **7:09**
